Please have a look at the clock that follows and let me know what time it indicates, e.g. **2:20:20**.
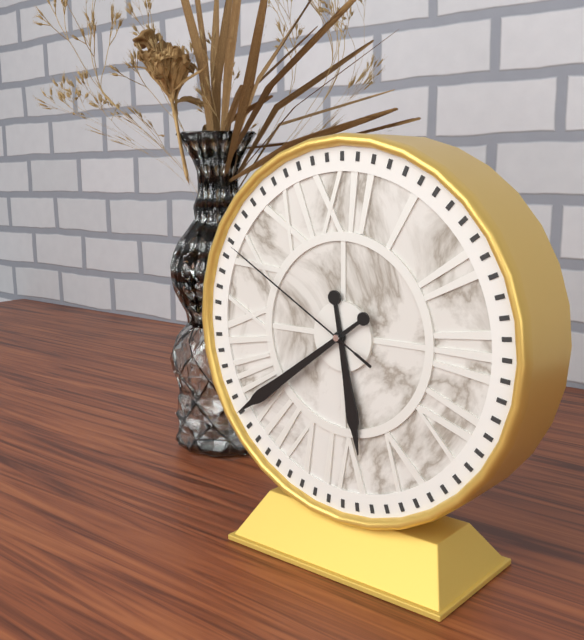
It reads **5:39:50**
